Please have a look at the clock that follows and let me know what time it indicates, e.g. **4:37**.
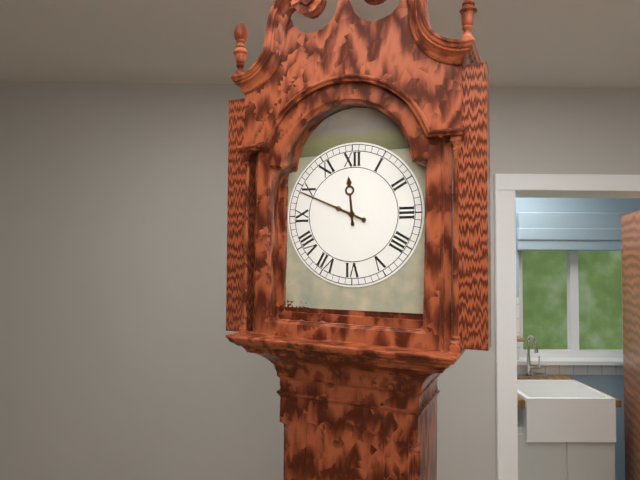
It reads **11:49**
